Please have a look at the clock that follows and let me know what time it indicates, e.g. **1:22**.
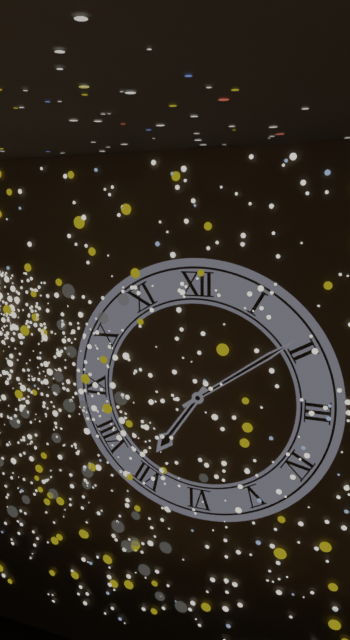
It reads **7:09**
